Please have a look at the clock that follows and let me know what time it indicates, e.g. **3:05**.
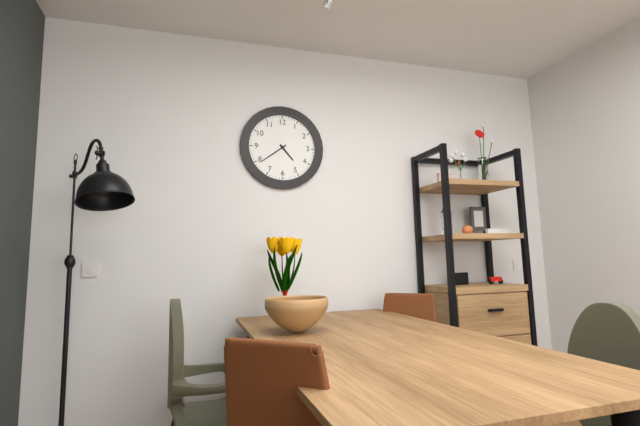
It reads **4:39**
